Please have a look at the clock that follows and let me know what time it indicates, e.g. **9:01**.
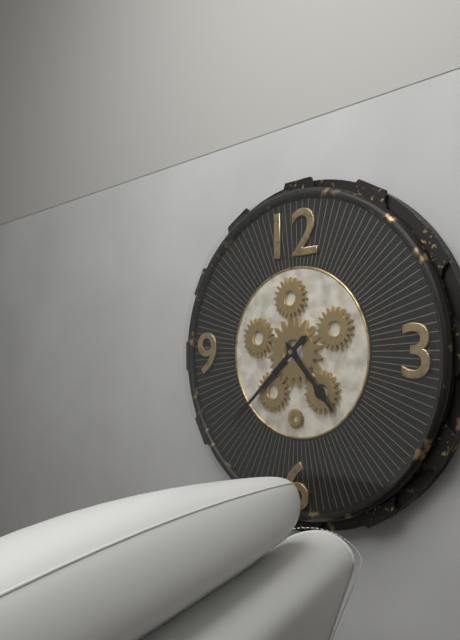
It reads **4:38**
